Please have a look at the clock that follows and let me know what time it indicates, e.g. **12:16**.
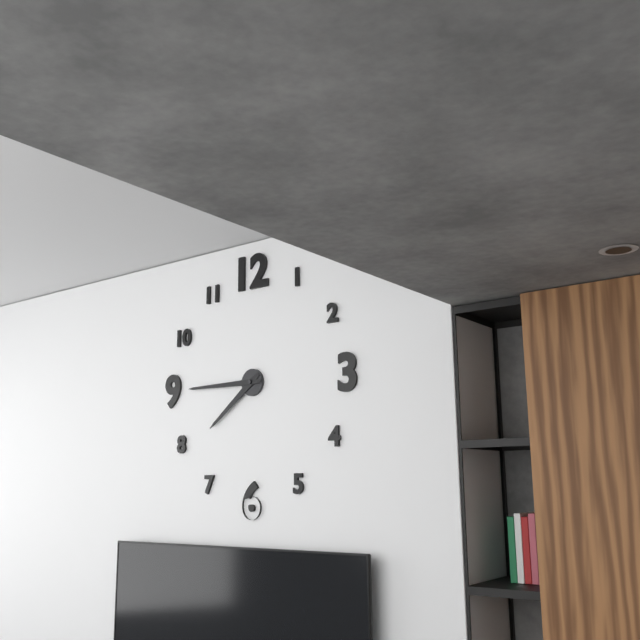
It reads **7:45**
